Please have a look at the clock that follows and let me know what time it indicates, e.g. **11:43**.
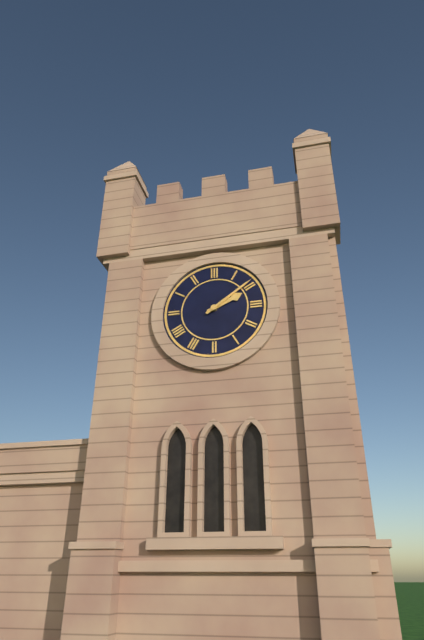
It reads **2:09**
